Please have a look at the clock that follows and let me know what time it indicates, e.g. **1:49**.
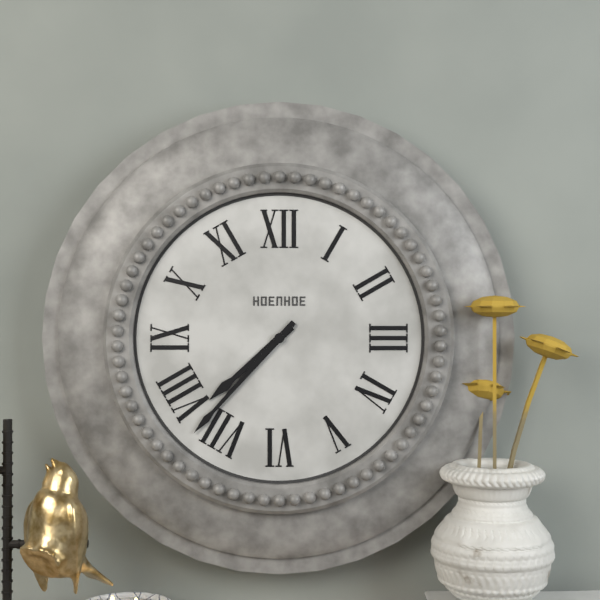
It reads **7:37**
